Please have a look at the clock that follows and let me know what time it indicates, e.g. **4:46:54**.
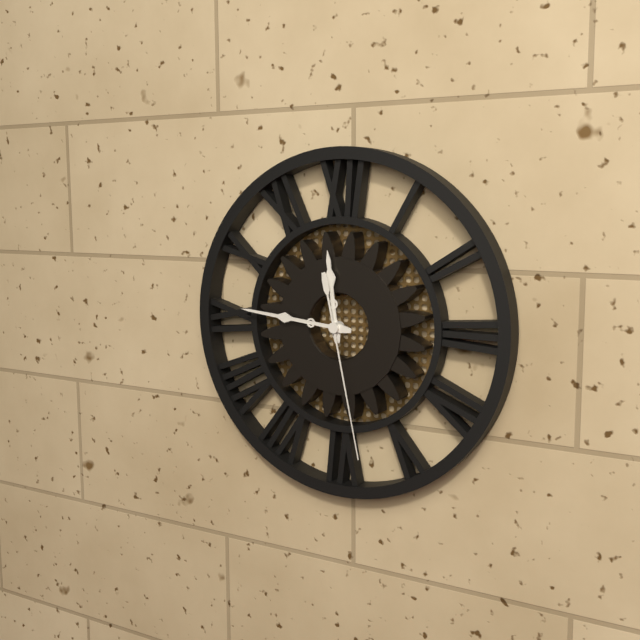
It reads **11:46:28**
